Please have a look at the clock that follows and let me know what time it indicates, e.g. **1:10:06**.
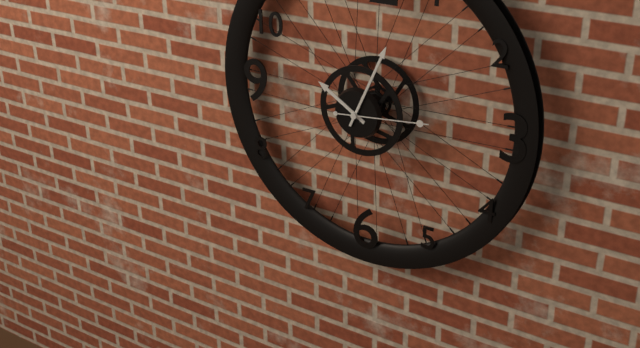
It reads **10:04:14**
